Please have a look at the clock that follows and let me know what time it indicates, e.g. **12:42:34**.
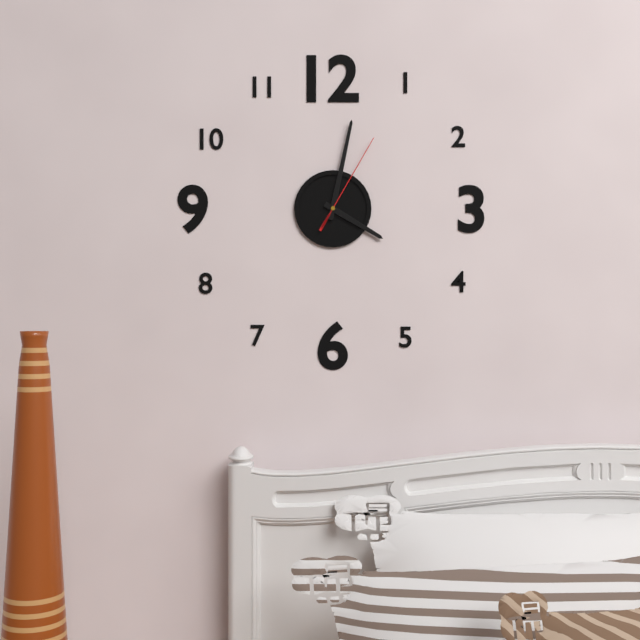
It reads **4:02:05**
